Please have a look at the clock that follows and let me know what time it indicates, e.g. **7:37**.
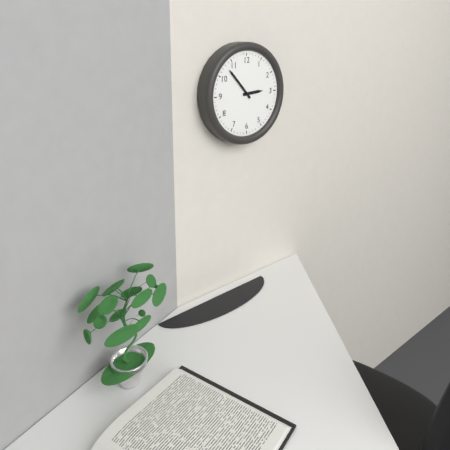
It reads **2:53**
